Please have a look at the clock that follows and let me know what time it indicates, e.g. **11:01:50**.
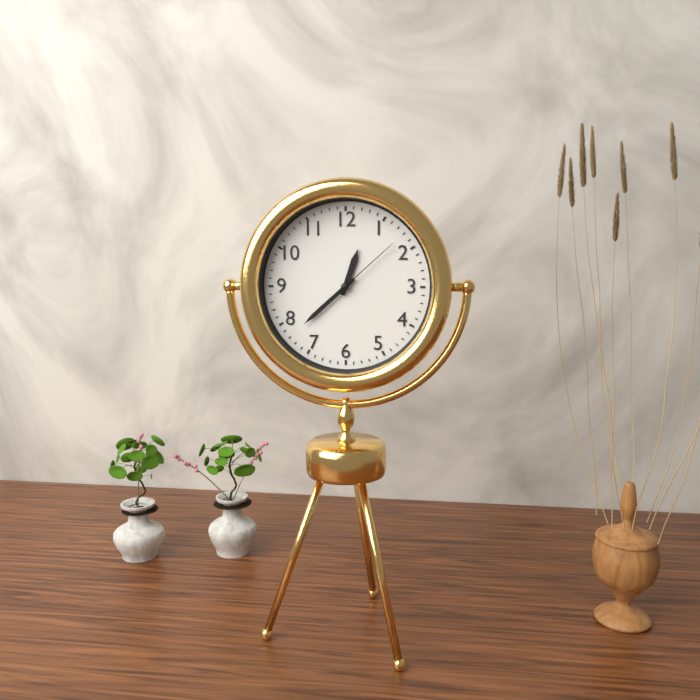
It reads **12:38:08**
